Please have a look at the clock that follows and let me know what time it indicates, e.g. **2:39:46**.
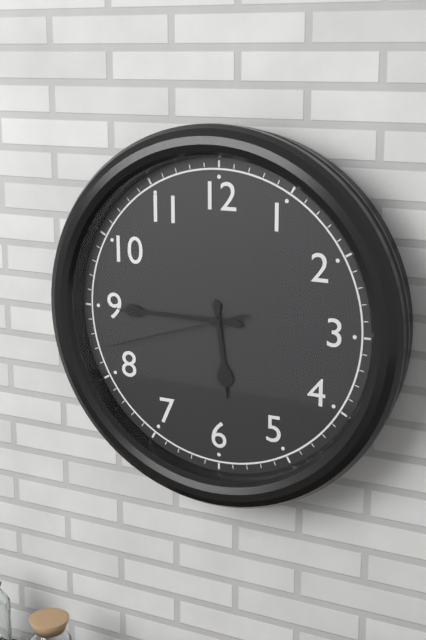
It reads **5:45:42**
